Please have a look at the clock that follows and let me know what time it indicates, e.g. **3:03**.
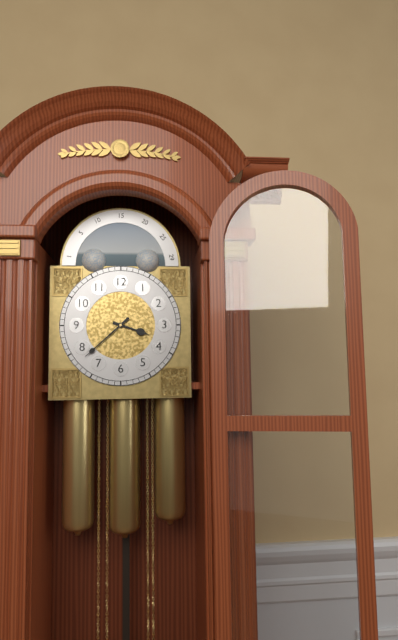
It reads **3:38**
